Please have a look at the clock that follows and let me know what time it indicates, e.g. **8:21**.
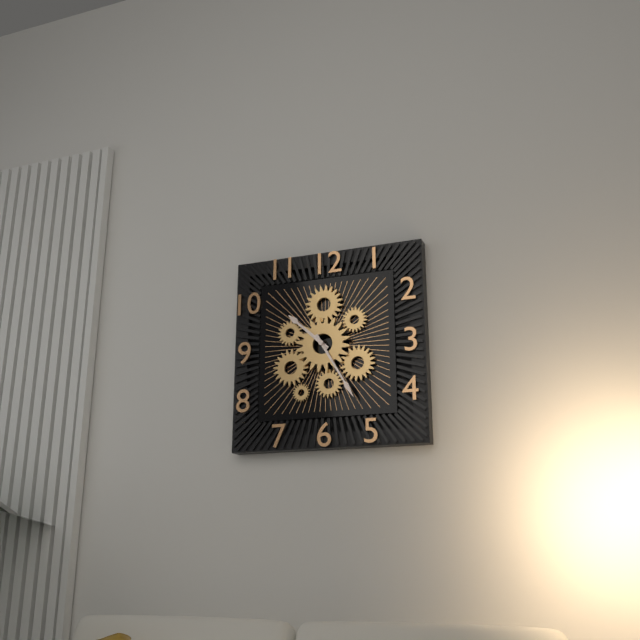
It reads **10:25**
